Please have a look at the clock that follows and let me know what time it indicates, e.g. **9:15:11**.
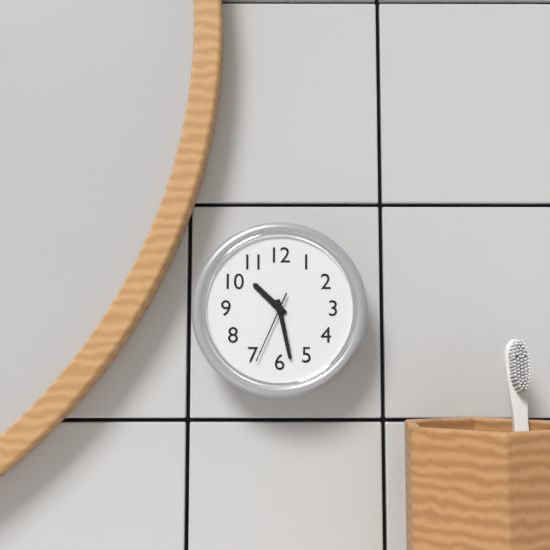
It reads **10:28:34**
